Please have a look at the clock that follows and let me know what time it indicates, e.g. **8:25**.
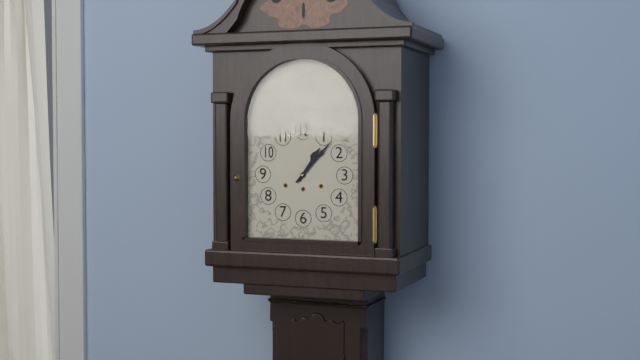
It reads **1:07**
